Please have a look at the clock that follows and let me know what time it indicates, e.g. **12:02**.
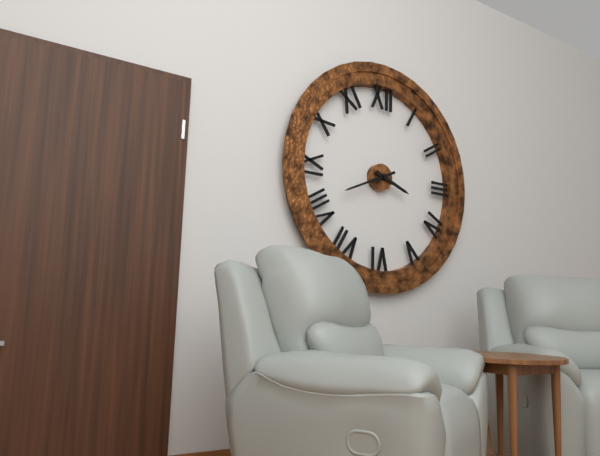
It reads **3:41**
